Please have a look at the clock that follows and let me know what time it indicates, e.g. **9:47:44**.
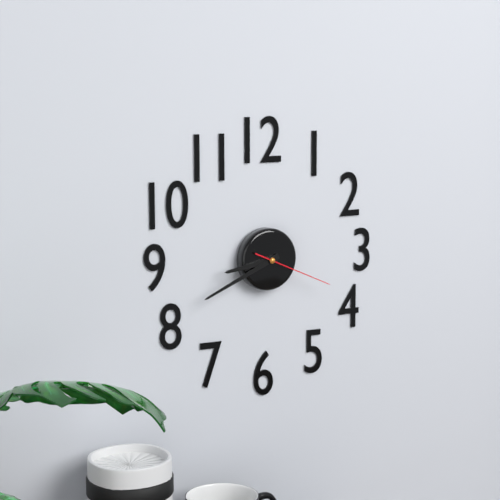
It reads **8:41:19**
